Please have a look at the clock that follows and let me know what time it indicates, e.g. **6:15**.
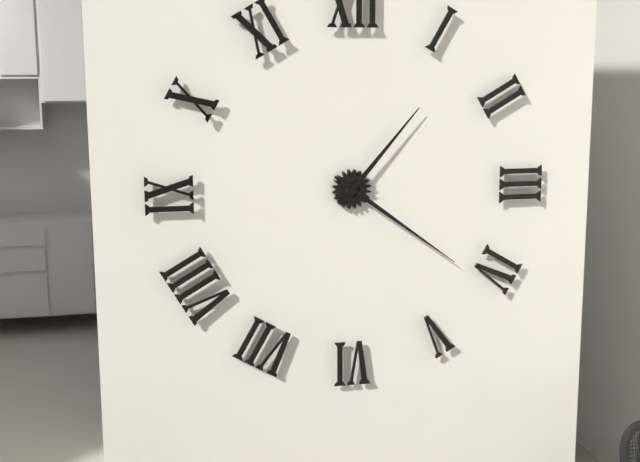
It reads **1:21**
